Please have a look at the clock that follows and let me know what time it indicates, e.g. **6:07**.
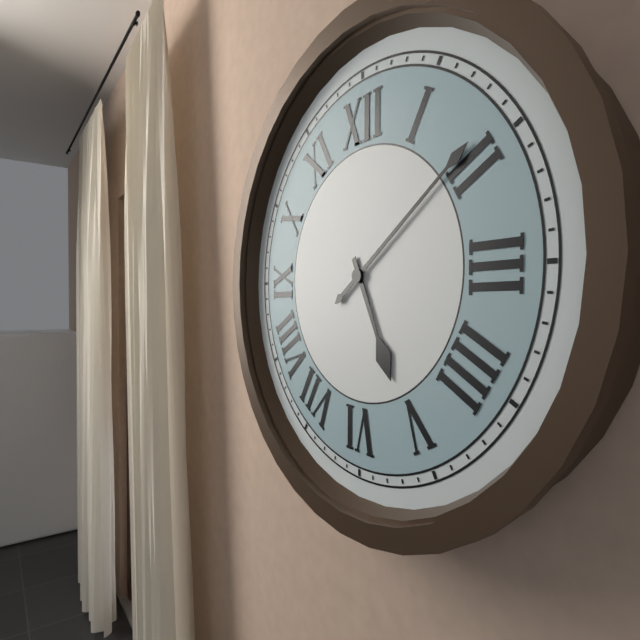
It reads **5:09**
